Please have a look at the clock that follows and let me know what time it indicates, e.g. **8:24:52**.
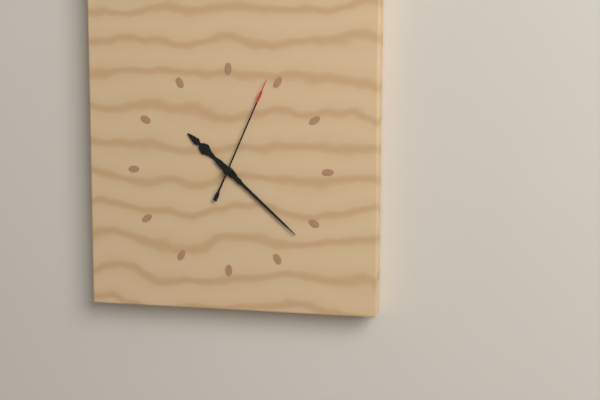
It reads **10:22:04**
